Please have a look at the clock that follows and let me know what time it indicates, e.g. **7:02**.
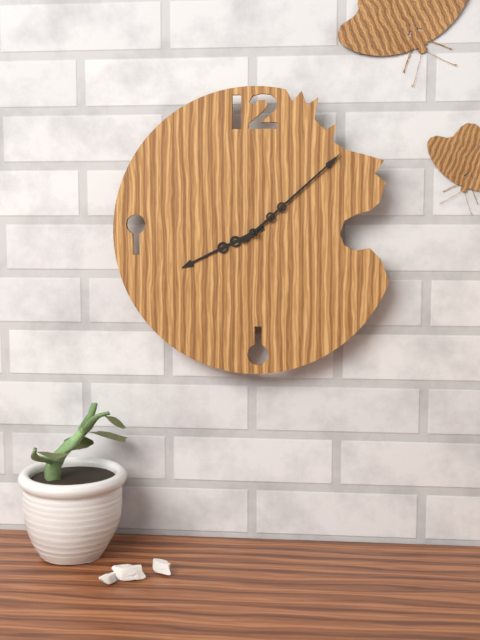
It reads **8:08**
